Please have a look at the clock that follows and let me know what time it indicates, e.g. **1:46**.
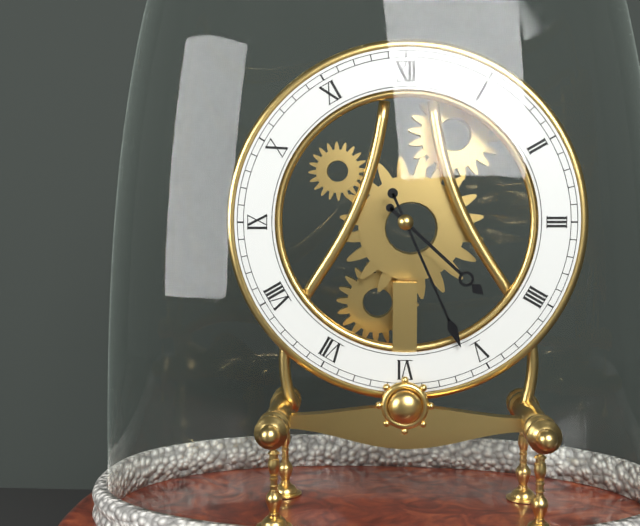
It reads **4:26**
